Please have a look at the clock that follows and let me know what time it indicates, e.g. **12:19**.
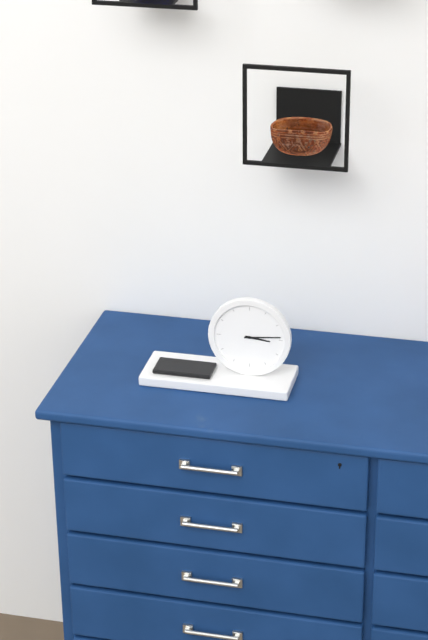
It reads **3:14**
